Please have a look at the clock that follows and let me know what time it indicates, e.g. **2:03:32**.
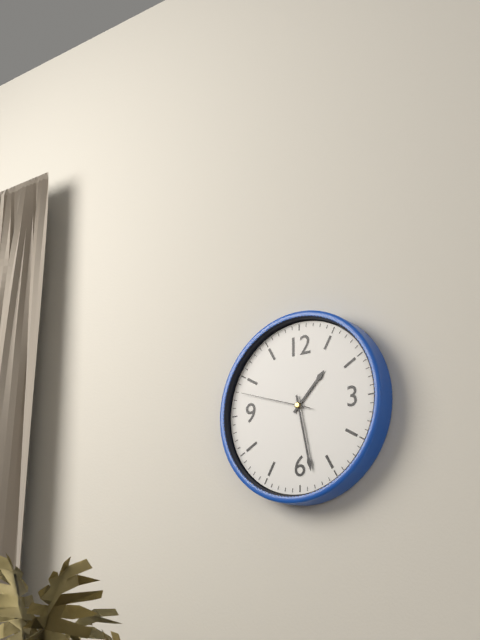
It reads **1:28:48**
